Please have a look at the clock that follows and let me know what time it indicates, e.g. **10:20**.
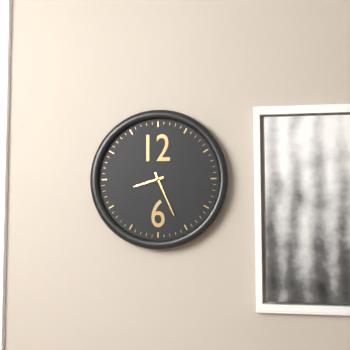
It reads **8:26**
